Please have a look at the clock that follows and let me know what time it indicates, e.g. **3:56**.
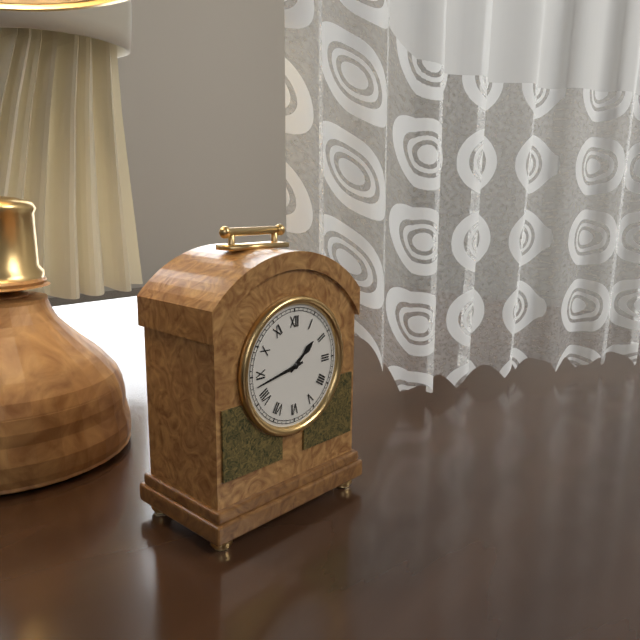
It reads **1:43**
